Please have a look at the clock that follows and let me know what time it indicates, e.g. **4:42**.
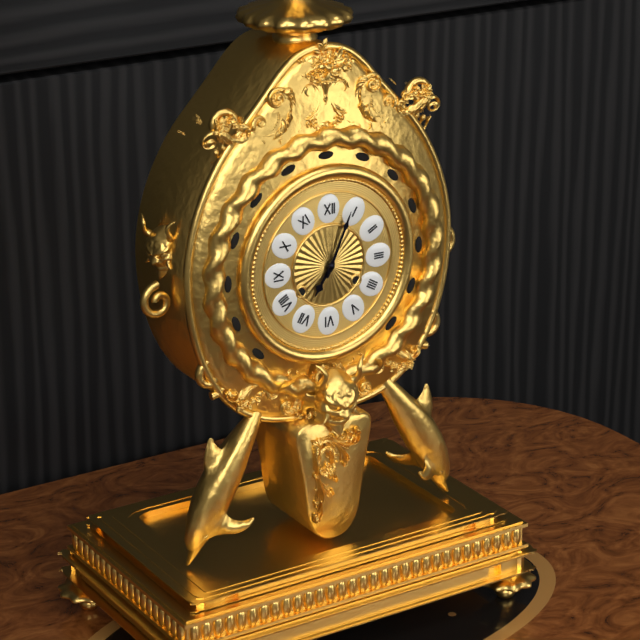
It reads **7:04**
